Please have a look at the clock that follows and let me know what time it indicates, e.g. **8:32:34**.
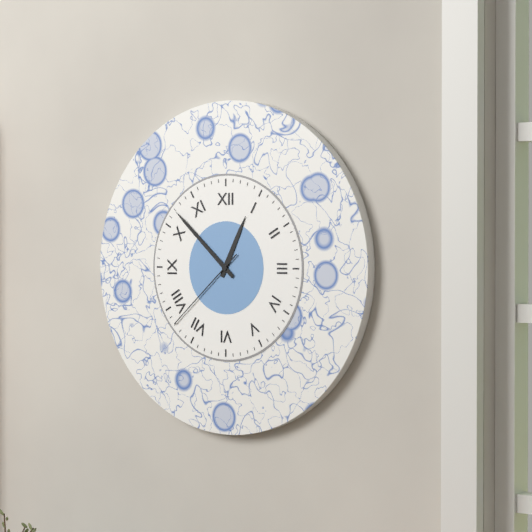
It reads **12:52:38**
